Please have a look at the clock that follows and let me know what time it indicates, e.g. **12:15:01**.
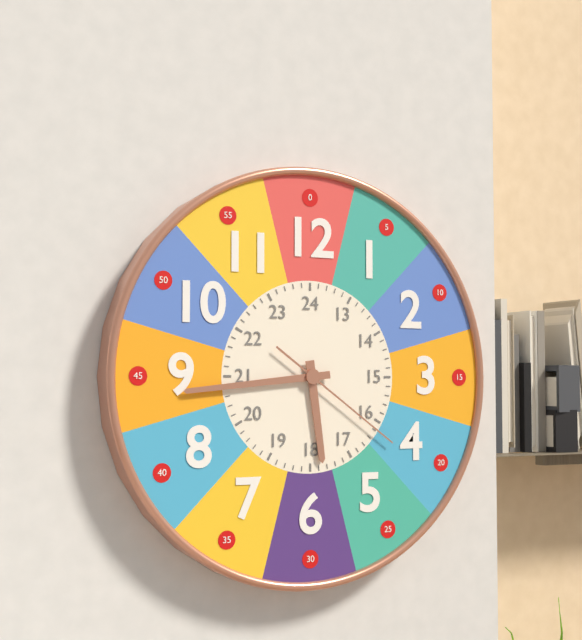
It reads **5:44:21**
